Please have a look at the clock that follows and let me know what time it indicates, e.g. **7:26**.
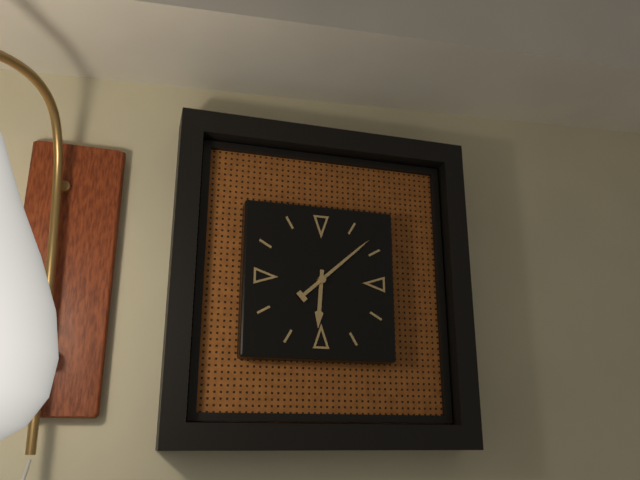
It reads **6:08**
